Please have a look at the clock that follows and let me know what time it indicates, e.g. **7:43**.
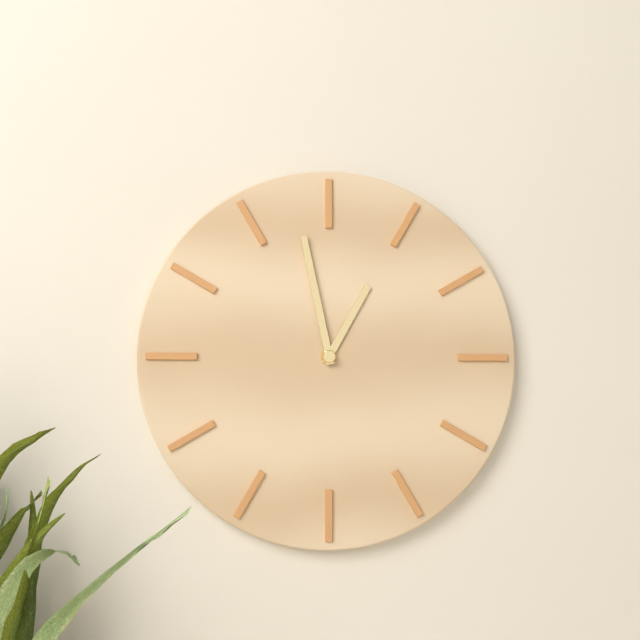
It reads **12:58**
